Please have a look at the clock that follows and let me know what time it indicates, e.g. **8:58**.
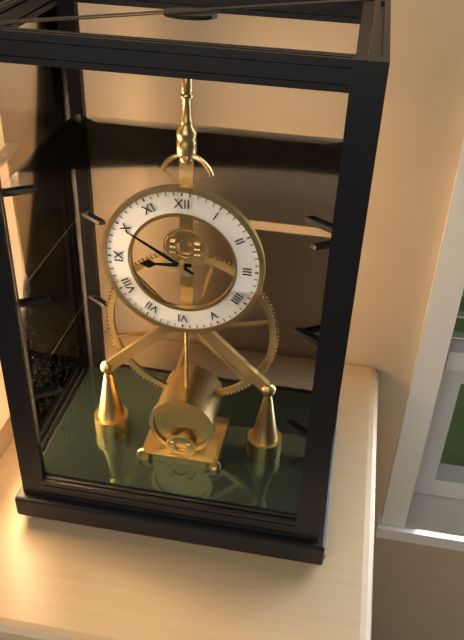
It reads **8:50**
